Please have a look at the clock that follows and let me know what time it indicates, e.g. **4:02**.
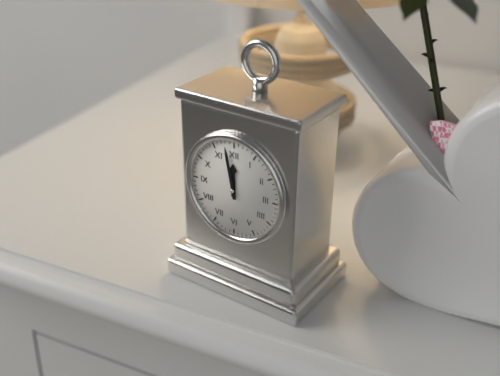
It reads **11:58**
